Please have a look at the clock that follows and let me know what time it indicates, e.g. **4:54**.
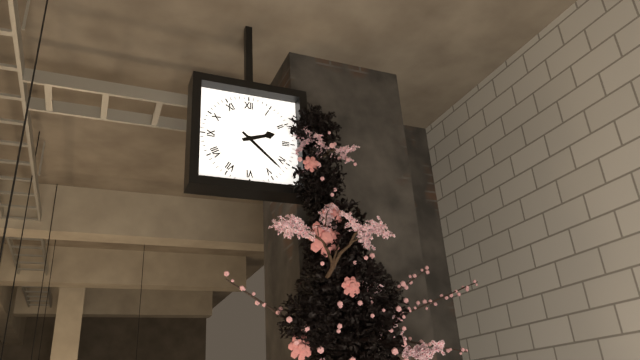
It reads **2:22**
